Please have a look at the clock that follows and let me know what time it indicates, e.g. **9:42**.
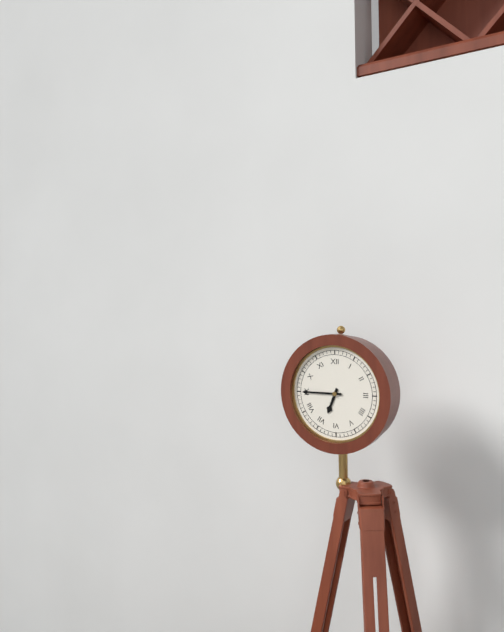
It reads **6:45**
